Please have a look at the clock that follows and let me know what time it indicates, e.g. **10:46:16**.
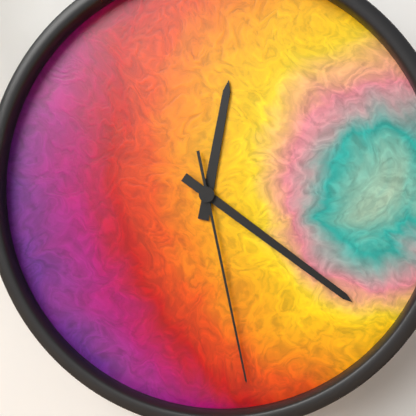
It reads **12:21:28**
